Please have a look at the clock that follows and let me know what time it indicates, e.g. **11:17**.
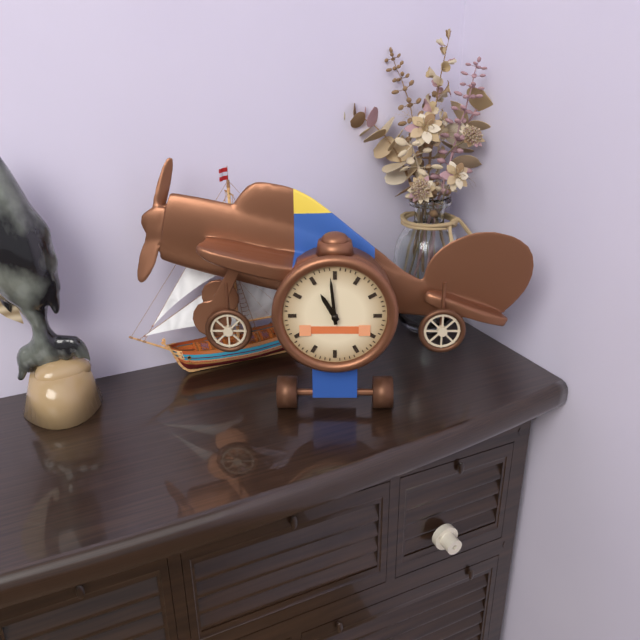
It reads **10:59**
